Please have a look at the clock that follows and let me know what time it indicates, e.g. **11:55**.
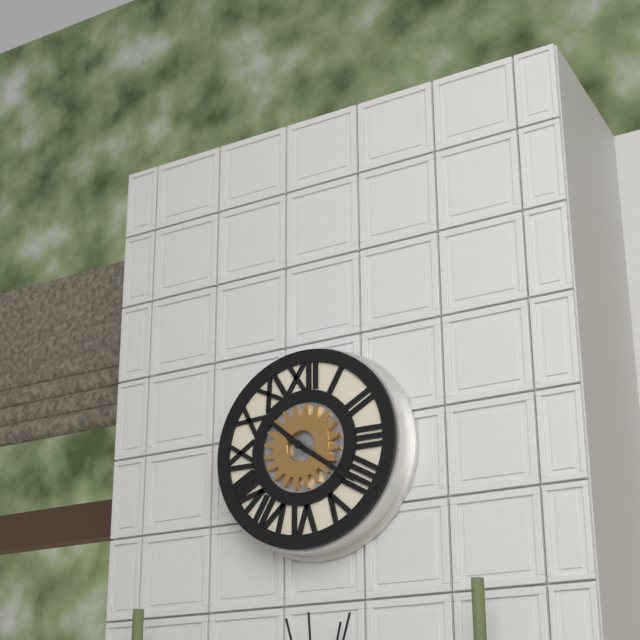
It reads **10:21**
